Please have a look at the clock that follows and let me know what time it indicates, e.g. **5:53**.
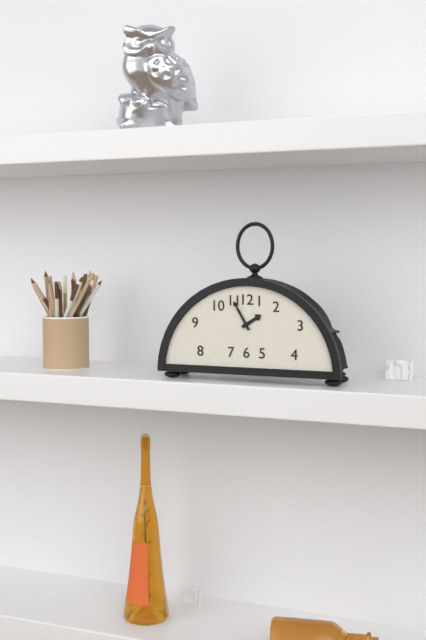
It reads **1:55**
